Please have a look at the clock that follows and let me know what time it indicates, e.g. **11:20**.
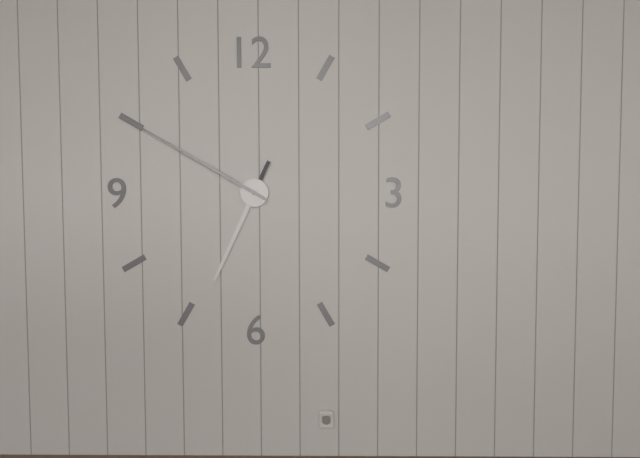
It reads **6:50**
